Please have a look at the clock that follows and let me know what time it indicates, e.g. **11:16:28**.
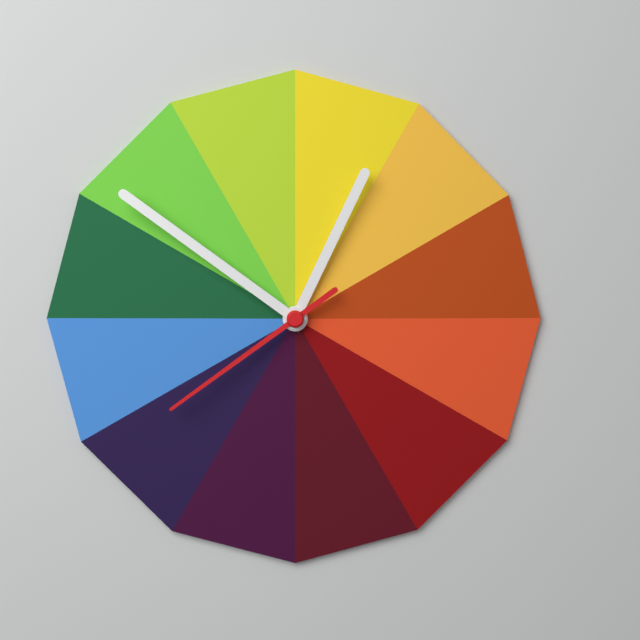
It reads **12:51:39**
